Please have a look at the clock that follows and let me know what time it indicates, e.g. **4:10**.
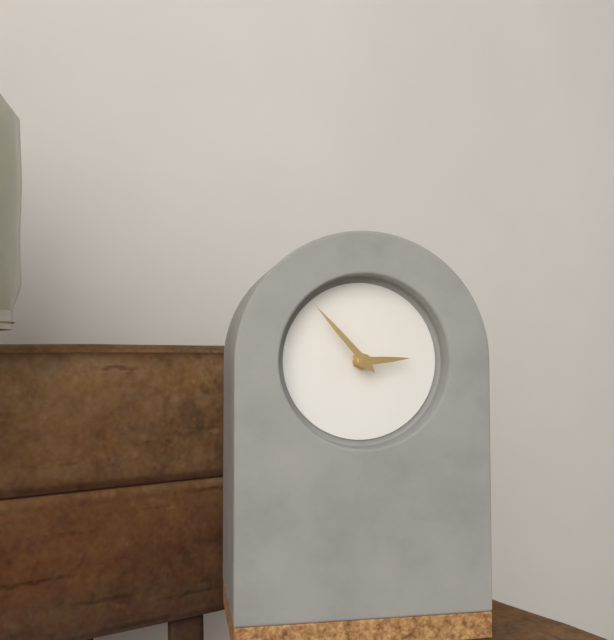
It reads **2:53**
